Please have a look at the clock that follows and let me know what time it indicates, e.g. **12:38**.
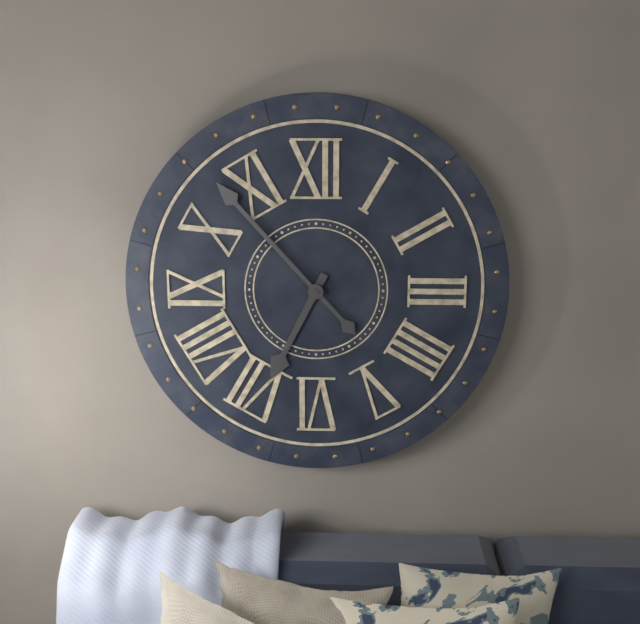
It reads **6:53**
